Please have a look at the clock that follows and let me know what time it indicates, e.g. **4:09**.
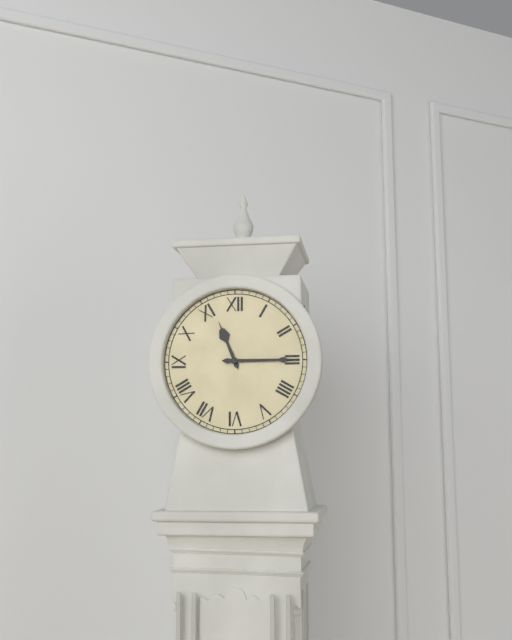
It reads **11:15**
